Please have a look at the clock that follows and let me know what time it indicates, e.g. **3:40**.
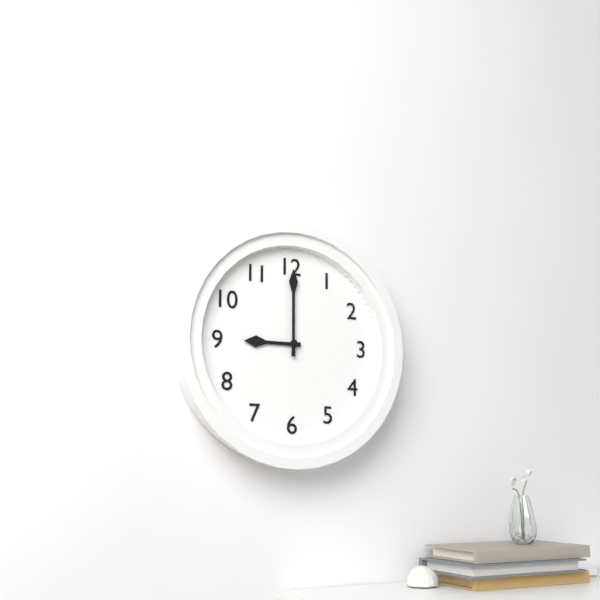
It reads **9:00**
